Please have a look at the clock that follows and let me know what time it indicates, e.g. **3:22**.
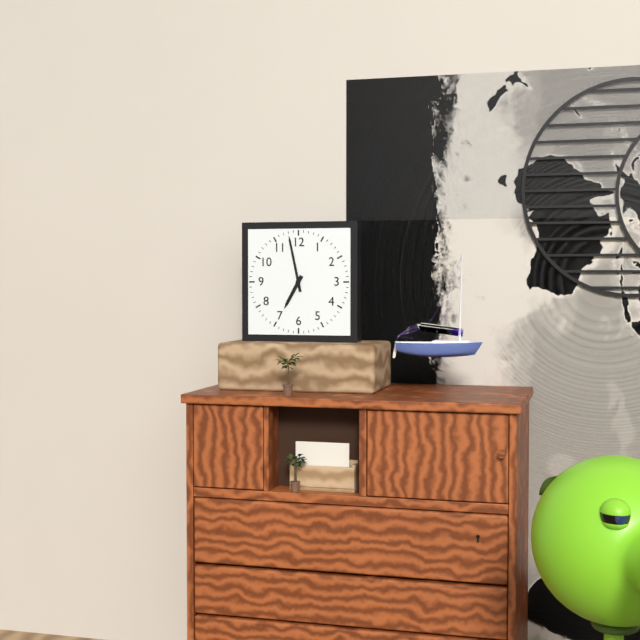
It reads **6:58**
